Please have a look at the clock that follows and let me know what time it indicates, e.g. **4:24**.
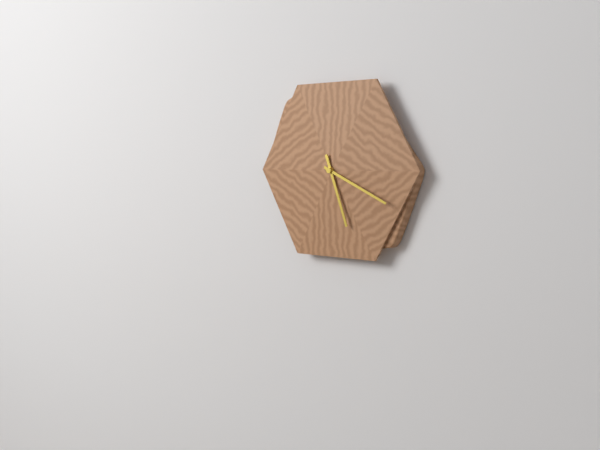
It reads **5:19**
